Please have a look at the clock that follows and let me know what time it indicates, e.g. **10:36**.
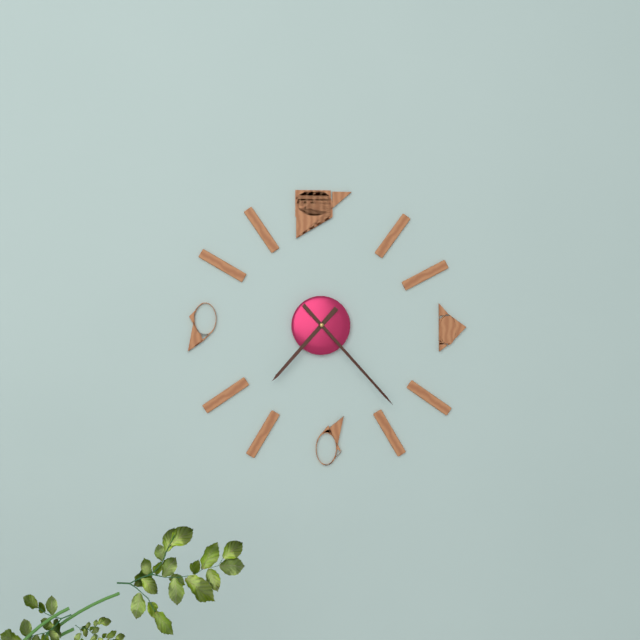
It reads **7:23**
